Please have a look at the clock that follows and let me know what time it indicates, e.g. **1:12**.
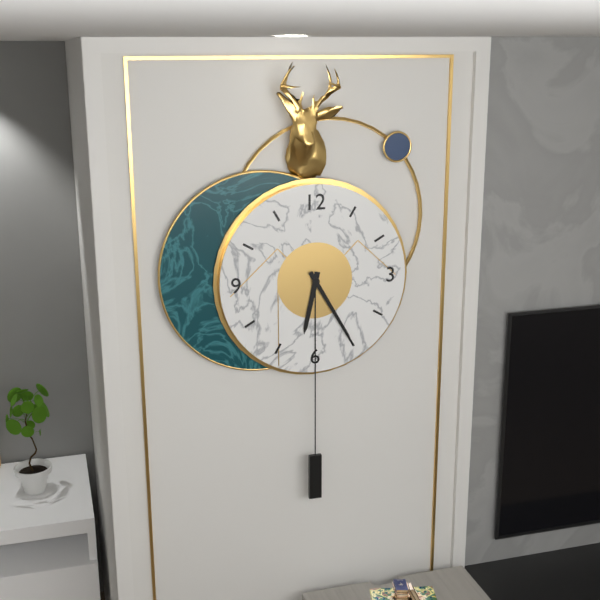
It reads **6:25**
